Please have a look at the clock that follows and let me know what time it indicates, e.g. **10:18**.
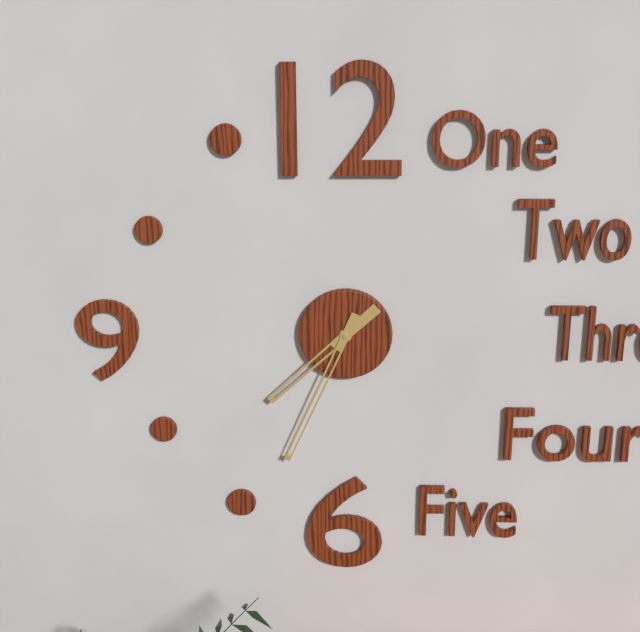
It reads **7:34**
